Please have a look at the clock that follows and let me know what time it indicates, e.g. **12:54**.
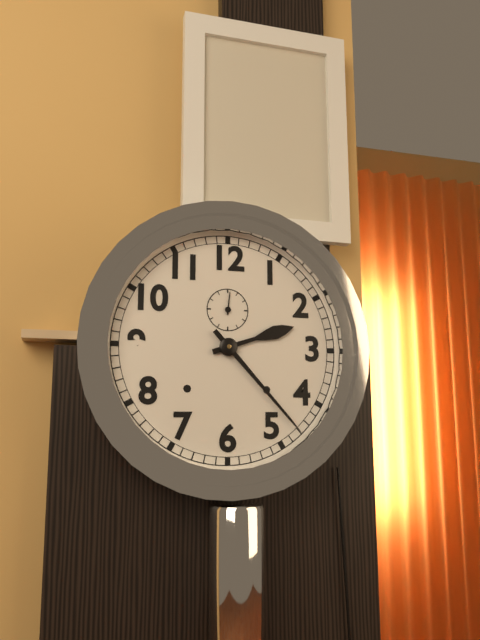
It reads **2:23**
